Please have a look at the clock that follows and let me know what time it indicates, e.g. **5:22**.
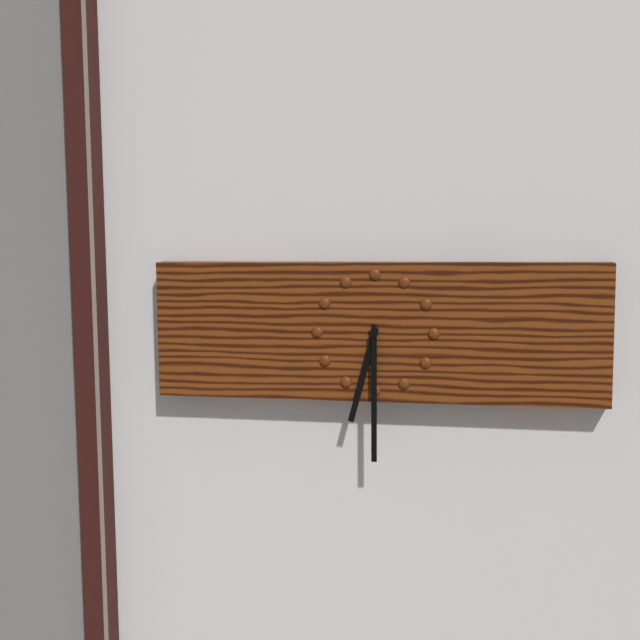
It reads **6:30**
